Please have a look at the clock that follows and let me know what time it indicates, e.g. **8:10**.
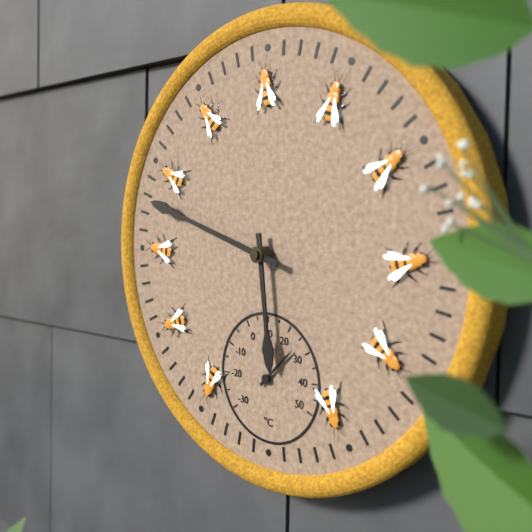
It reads **5:48**
